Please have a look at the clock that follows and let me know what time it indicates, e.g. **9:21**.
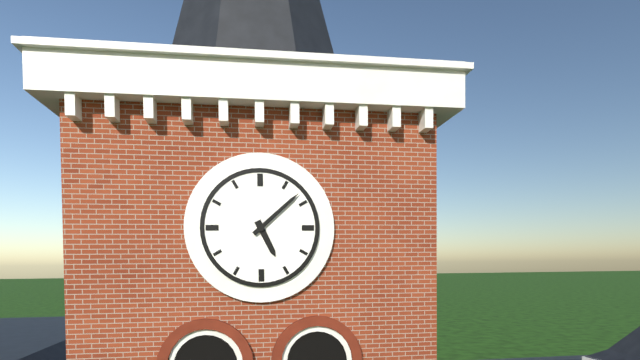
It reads **5:08**
